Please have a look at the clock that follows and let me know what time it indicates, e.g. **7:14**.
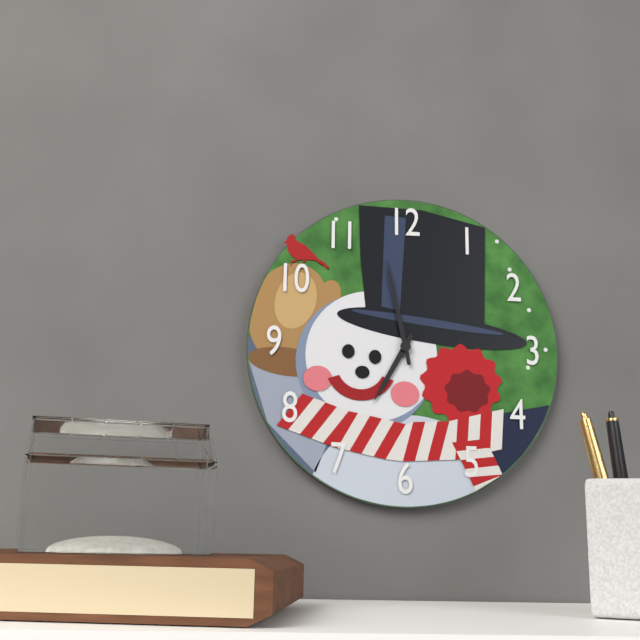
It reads **6:58**
